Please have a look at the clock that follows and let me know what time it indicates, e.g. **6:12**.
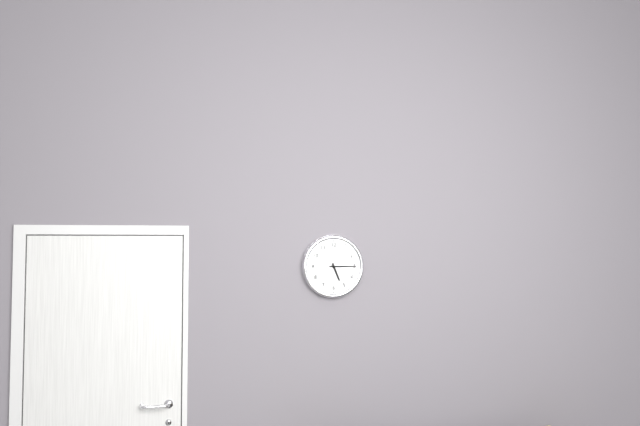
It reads **5:15**
